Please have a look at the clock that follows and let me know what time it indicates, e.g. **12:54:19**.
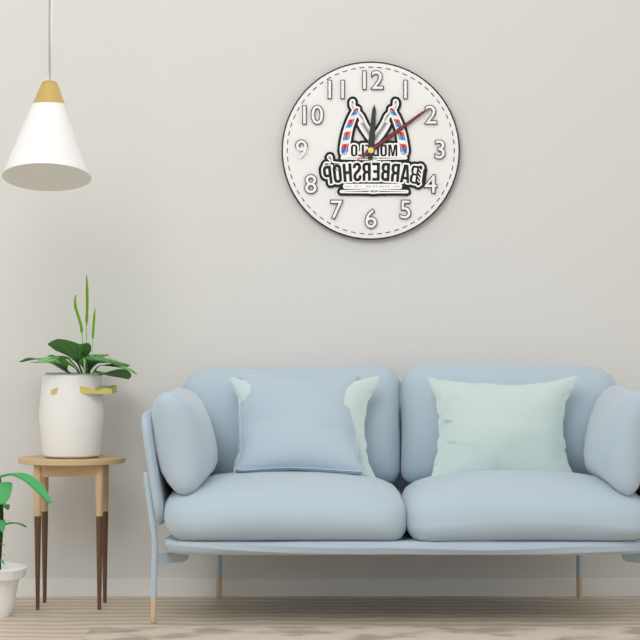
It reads **12:09:09**
